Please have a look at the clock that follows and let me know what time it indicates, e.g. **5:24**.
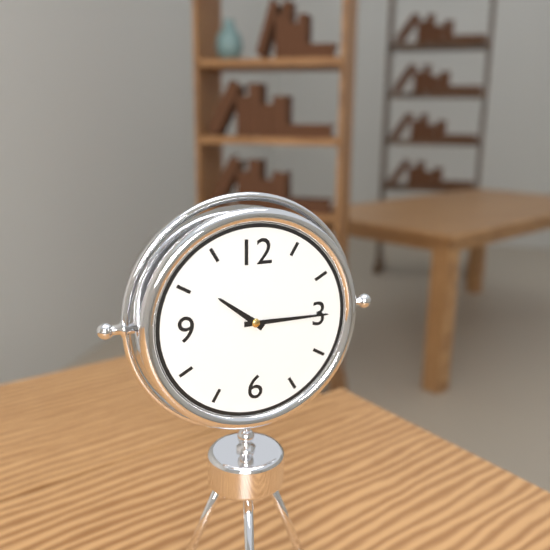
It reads **10:15**
